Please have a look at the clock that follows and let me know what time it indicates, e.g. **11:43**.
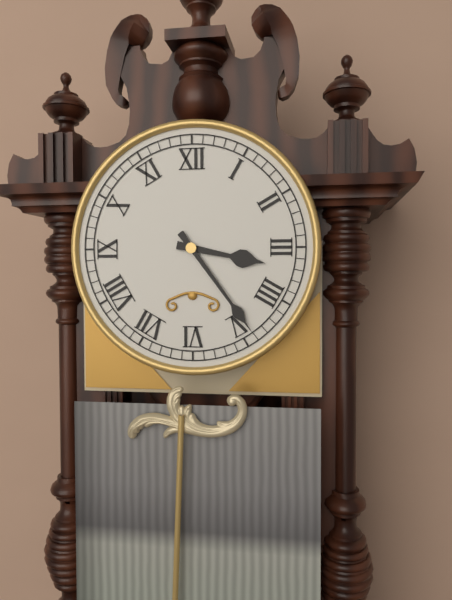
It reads **3:24**
